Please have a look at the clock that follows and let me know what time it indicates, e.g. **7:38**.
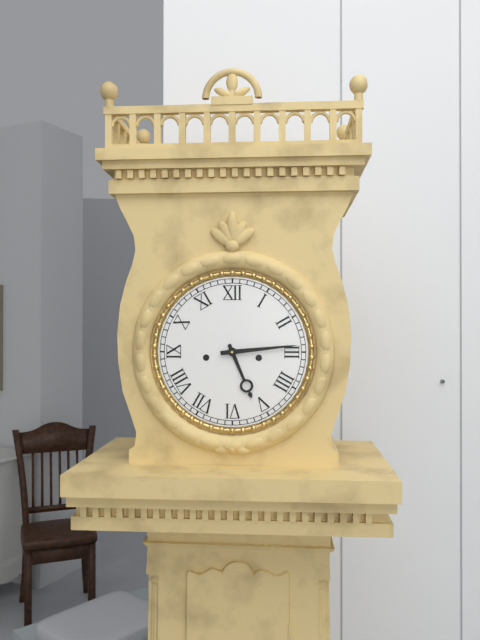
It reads **5:14**
